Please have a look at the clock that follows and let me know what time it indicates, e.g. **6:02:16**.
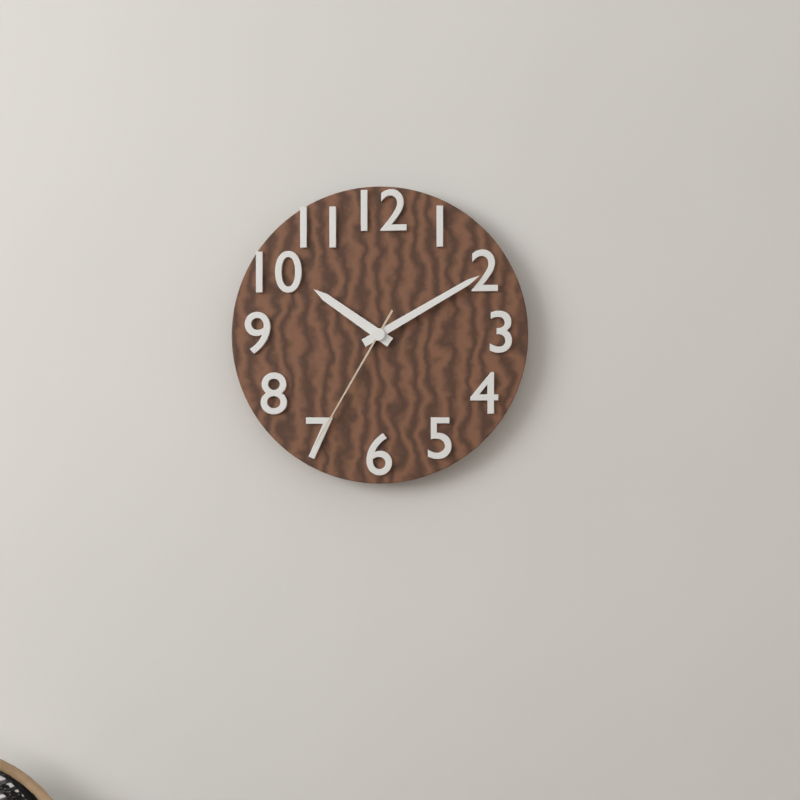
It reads **10:10:35**
